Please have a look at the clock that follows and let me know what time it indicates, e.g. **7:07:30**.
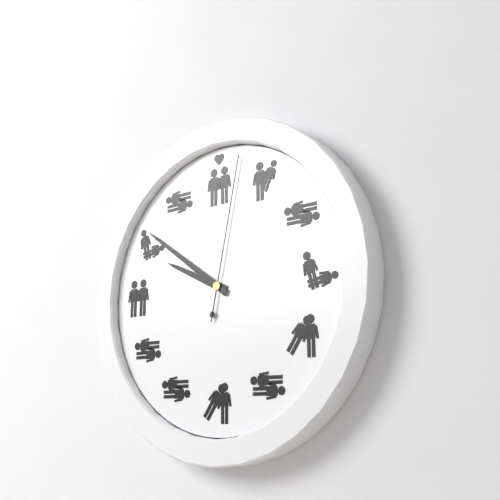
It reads **9:51:02**
